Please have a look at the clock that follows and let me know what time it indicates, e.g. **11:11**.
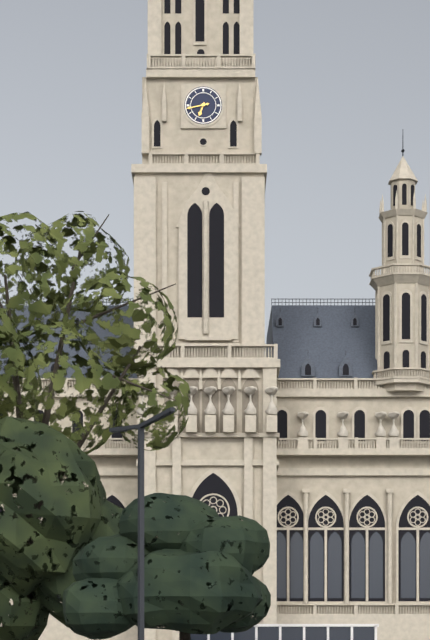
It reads **6:43**
